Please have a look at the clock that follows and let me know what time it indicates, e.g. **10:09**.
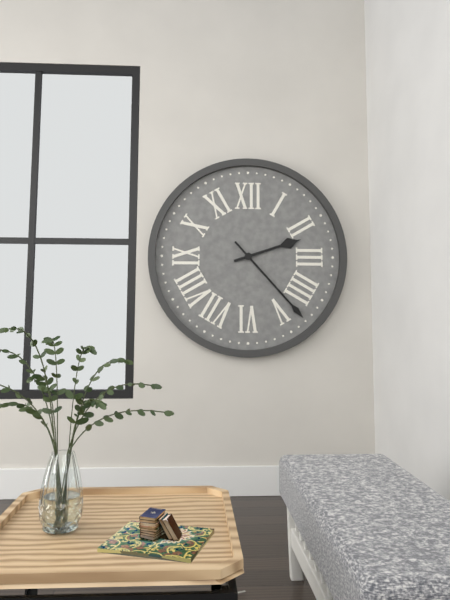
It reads **2:23**
